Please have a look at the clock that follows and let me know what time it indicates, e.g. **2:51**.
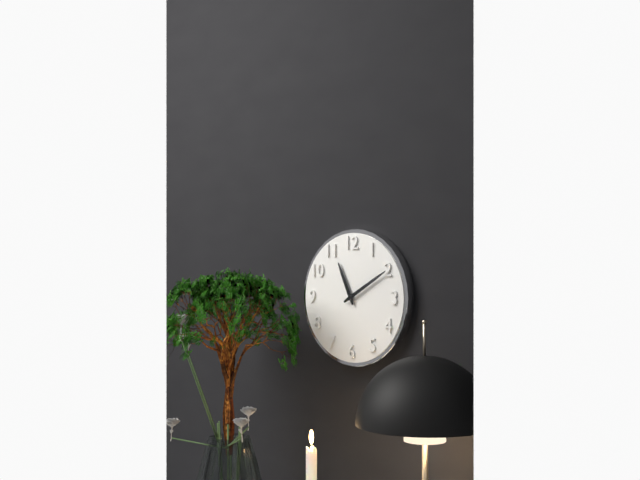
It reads **11:10**
